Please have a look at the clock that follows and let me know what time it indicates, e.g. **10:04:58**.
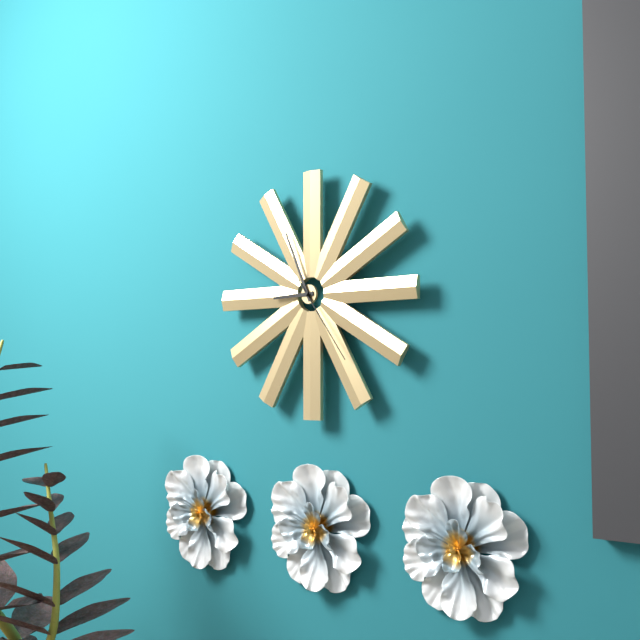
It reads **8:56:24**
